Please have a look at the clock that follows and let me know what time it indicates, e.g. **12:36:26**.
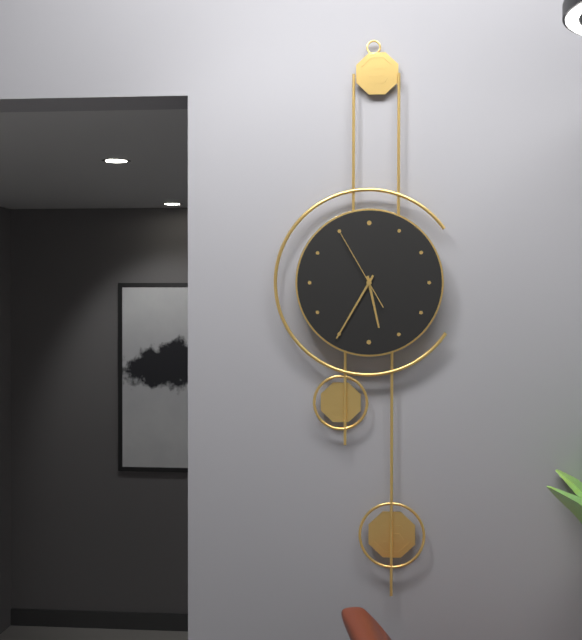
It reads **5:35:55**
